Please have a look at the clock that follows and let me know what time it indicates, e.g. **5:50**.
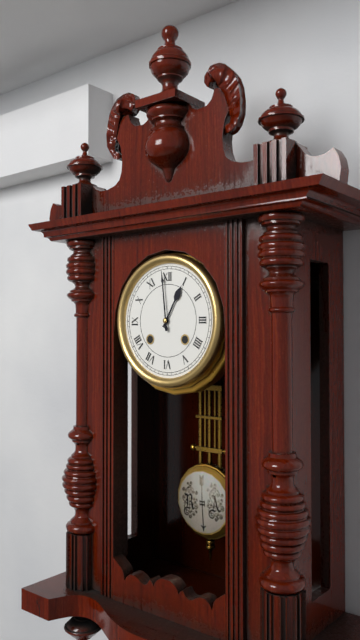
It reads **12:59**
